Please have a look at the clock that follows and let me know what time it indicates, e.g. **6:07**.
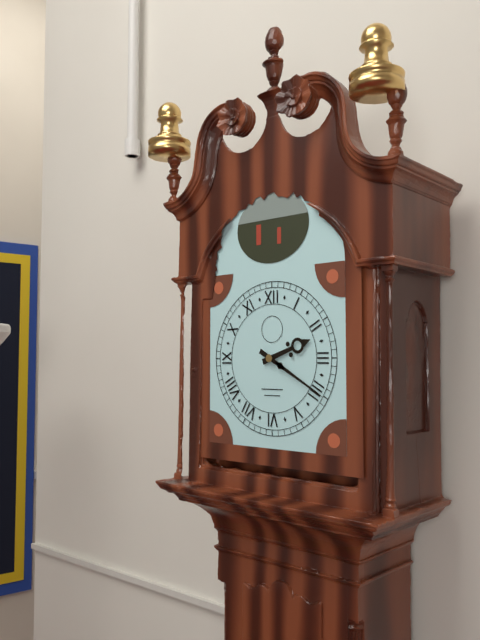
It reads **2:20**
